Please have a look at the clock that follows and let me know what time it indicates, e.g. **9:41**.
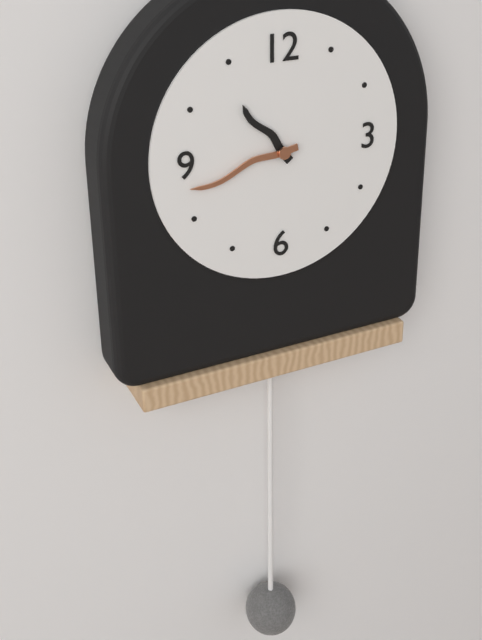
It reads **10:43**
